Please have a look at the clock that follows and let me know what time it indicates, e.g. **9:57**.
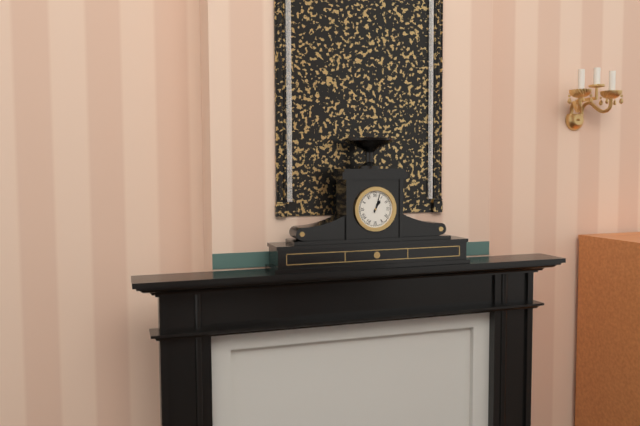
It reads **1:03**
